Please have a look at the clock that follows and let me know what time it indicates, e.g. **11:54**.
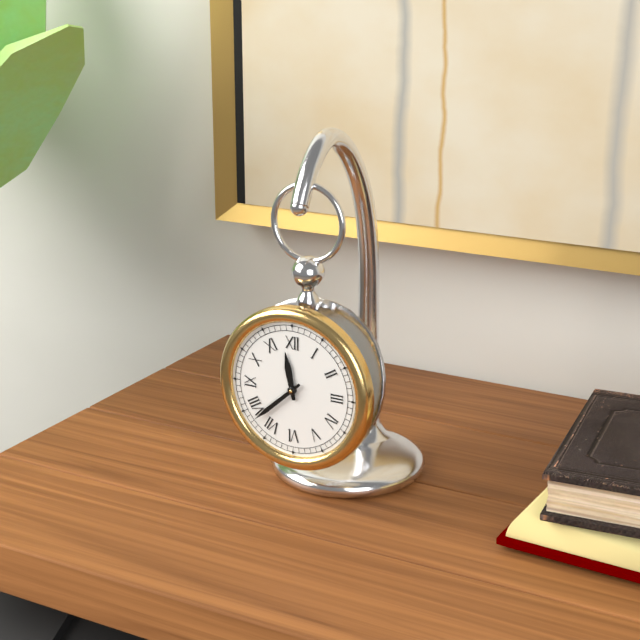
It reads **11:38**
